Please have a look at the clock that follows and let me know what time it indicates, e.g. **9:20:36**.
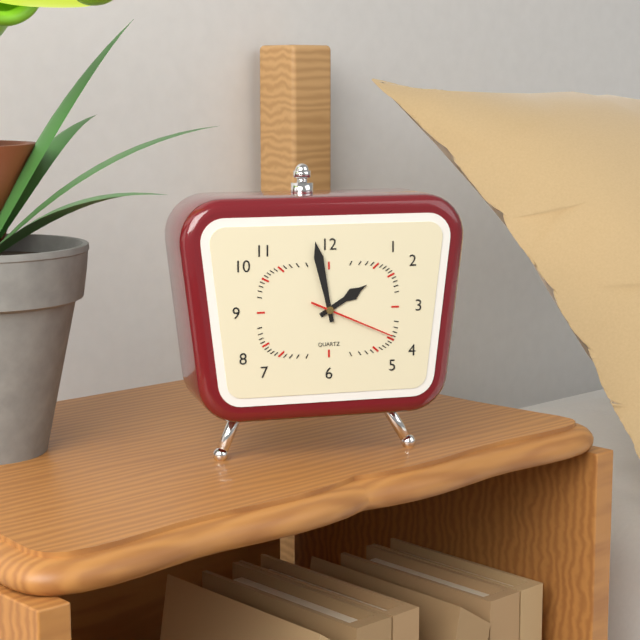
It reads **1:58:19**
